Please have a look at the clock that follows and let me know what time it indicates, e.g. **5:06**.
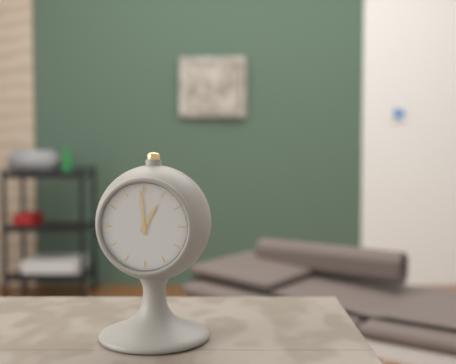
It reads **12:59**
